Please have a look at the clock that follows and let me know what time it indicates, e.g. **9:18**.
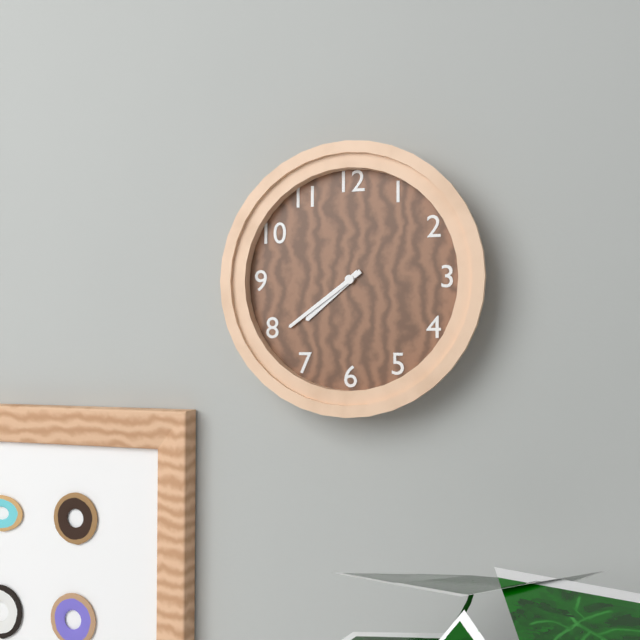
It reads **7:39**
